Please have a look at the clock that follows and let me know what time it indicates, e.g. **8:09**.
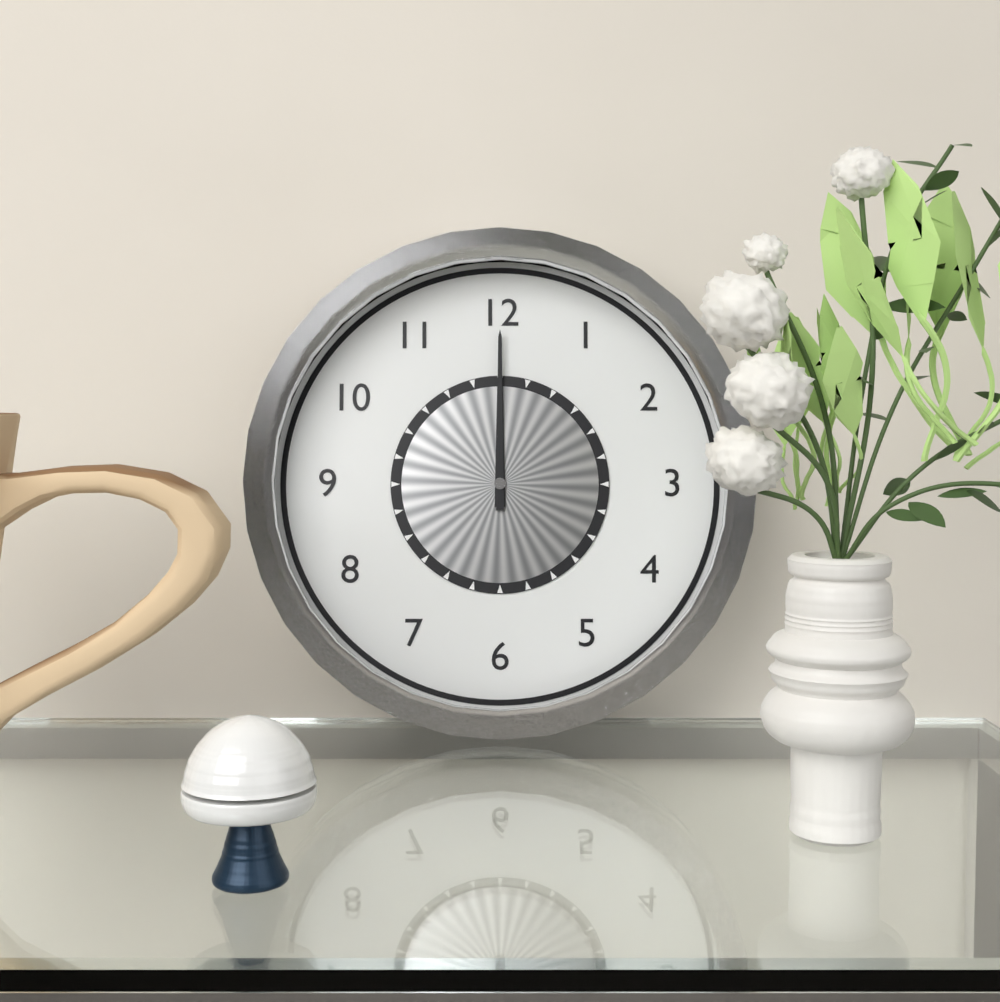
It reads **12:00**
